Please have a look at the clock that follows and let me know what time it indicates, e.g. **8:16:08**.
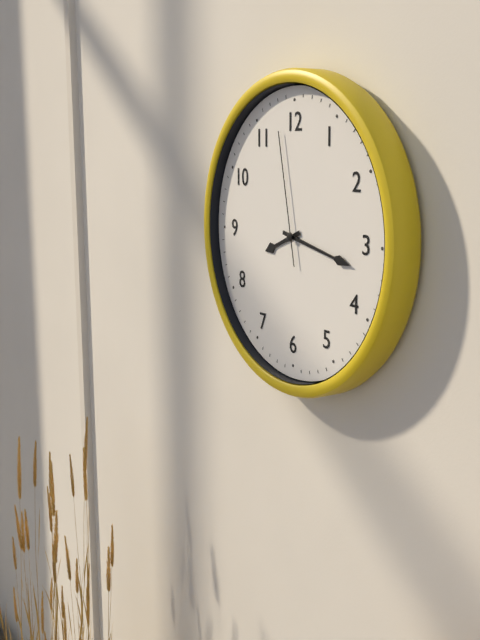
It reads **8:17:58**
